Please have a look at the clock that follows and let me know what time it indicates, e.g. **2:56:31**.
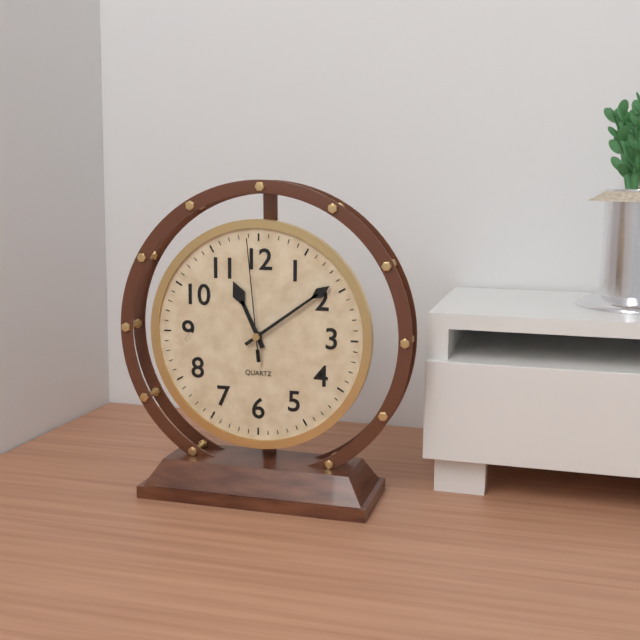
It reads **11:09:59**
